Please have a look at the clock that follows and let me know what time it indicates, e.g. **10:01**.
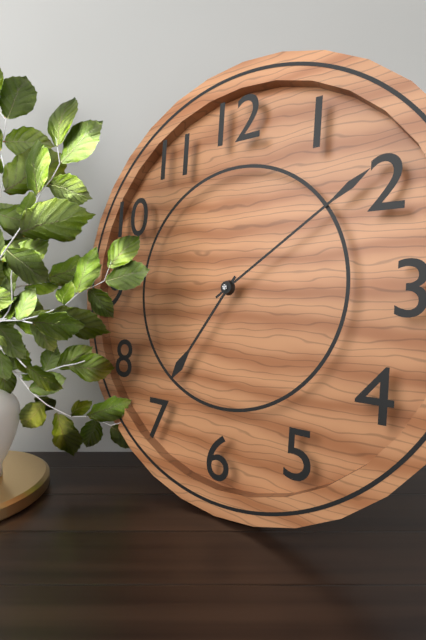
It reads **7:09**
